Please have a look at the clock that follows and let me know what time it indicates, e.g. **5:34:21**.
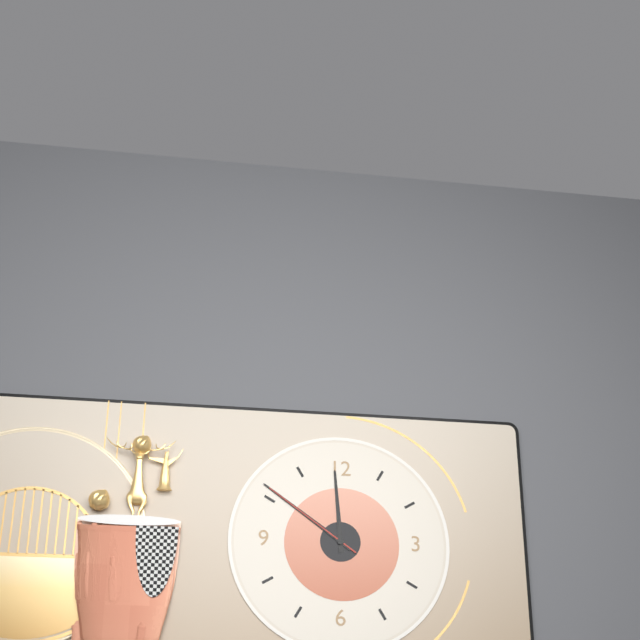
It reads **11:51:51**
